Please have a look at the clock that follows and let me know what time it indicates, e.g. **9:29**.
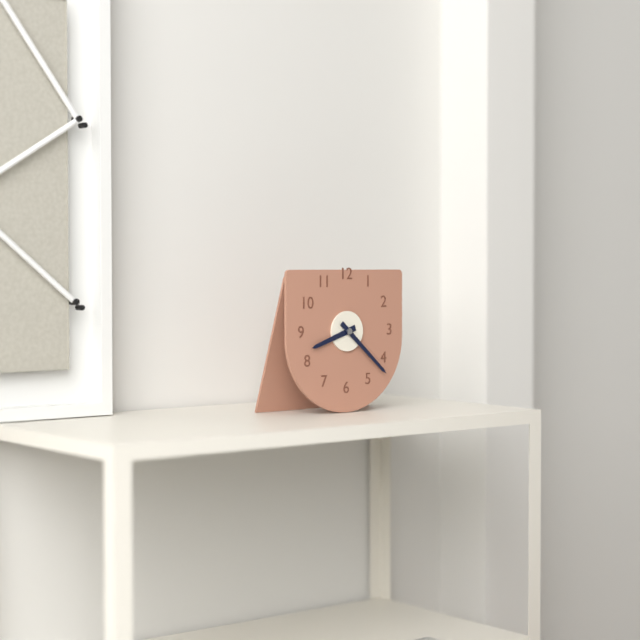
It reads **8:22**
